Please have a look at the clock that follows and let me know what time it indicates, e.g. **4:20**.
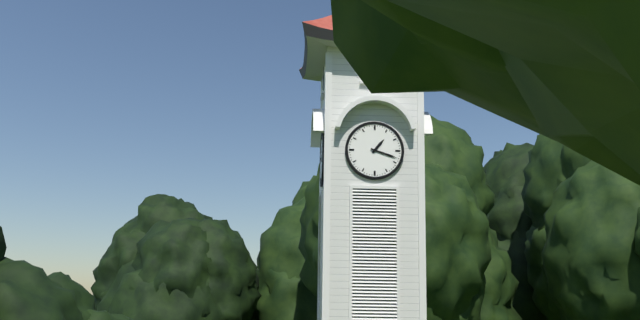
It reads **1:18**
